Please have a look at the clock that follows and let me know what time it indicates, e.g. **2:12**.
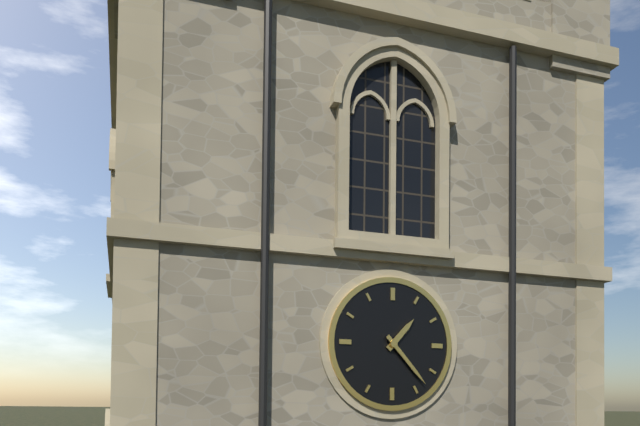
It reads **1:23**
